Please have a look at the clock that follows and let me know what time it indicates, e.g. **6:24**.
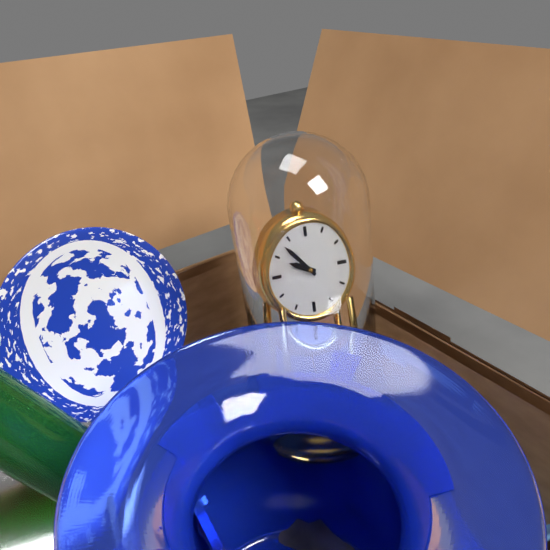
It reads **9:53**
